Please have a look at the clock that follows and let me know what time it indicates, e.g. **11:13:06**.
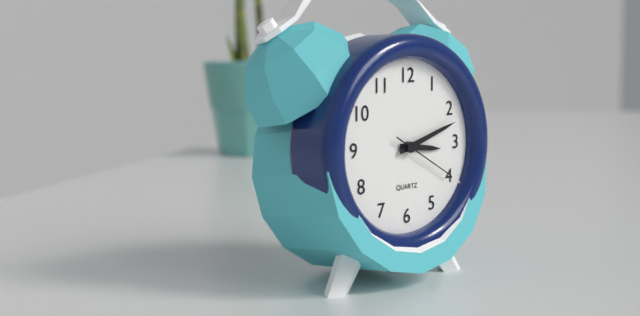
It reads **3:12:20**
